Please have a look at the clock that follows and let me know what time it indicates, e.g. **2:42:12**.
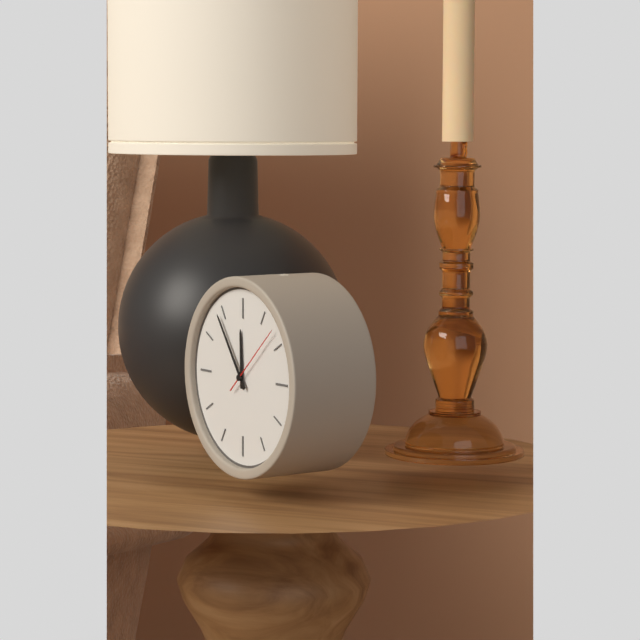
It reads **11:54:08**
